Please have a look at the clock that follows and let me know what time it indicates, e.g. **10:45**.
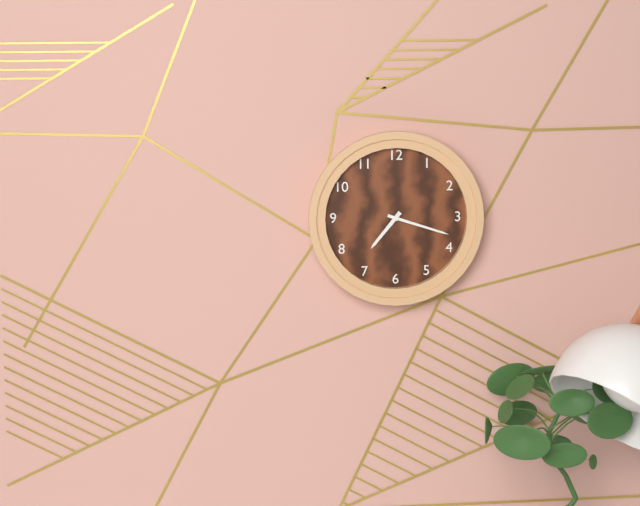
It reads **7:18**
